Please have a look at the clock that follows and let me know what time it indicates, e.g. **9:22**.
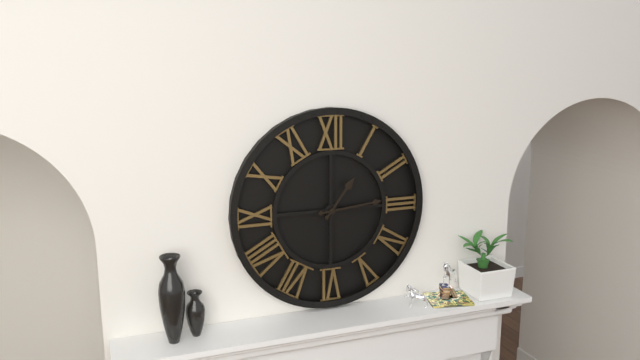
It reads **1:14**
